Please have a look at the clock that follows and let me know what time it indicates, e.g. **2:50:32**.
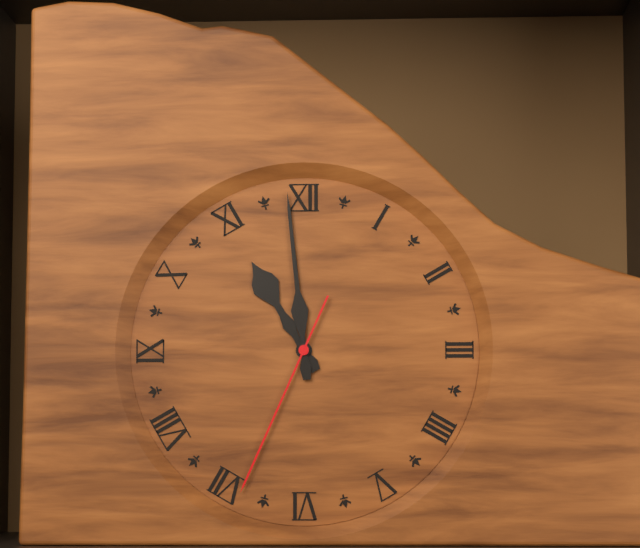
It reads **10:59:34**
